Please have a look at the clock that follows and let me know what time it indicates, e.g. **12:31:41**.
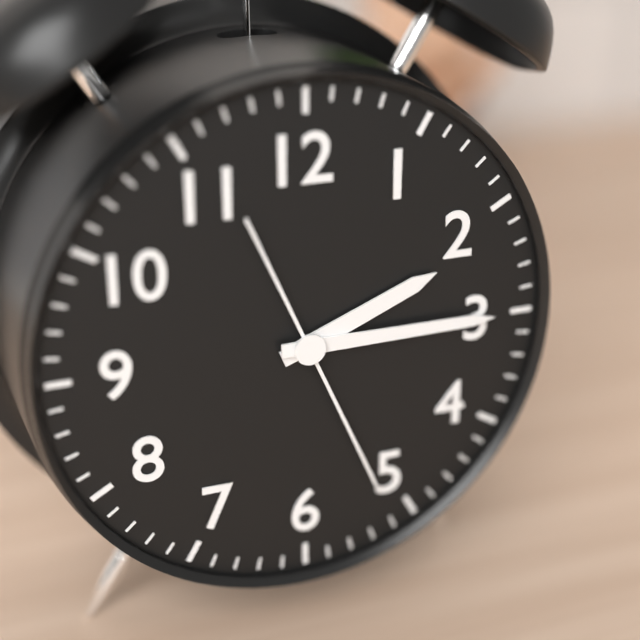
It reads **2:15:26**
